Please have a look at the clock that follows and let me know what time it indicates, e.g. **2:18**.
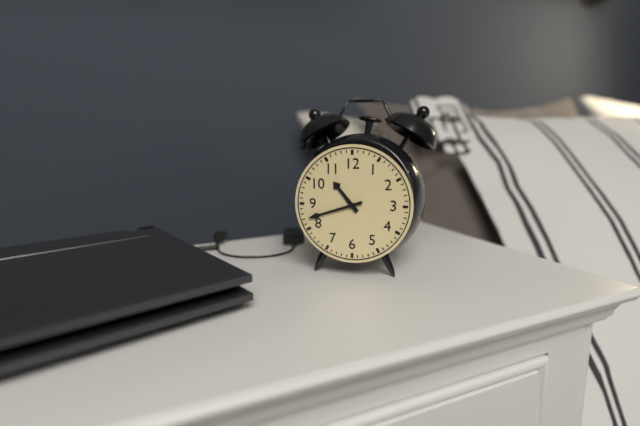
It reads **10:42**
